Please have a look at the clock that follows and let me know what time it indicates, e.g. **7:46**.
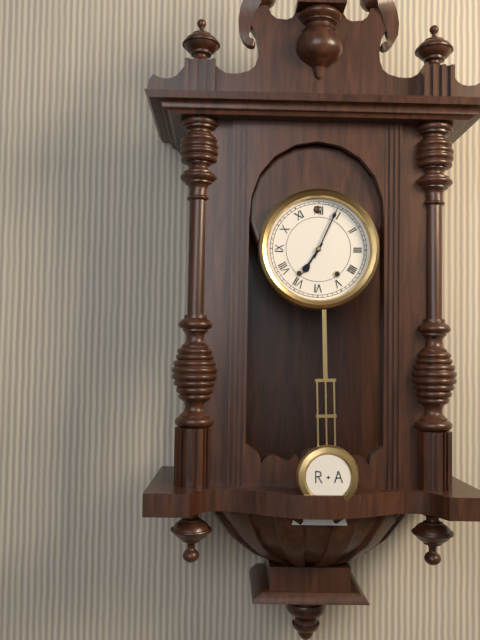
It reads **7:04**
